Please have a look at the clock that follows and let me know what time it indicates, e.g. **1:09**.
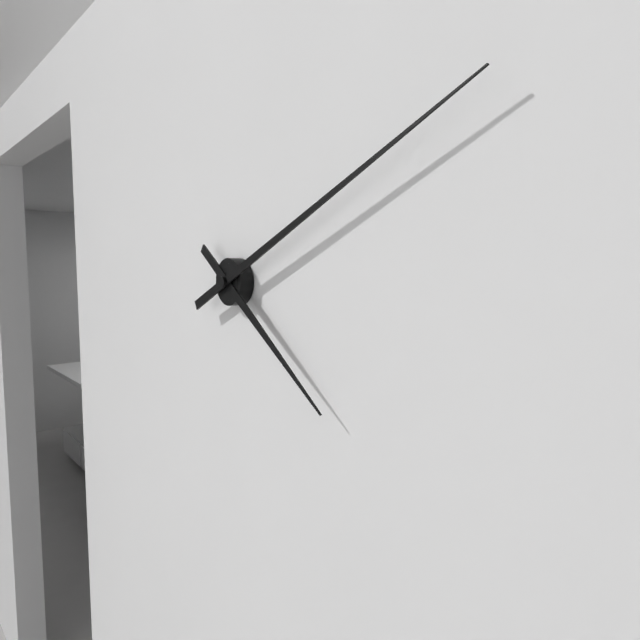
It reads **4:11**
